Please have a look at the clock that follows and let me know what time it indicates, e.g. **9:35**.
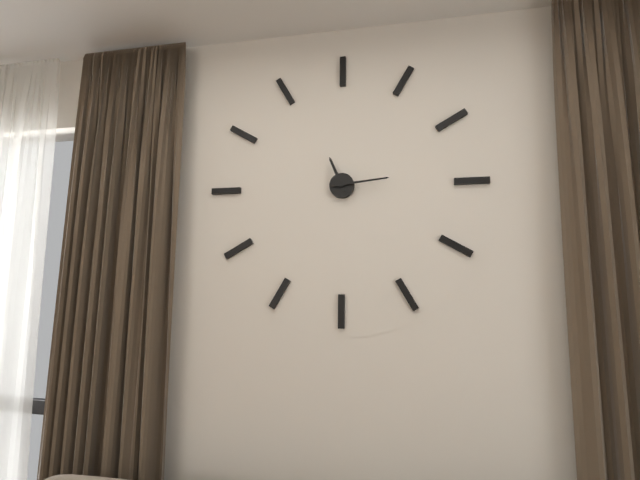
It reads **11:14**
